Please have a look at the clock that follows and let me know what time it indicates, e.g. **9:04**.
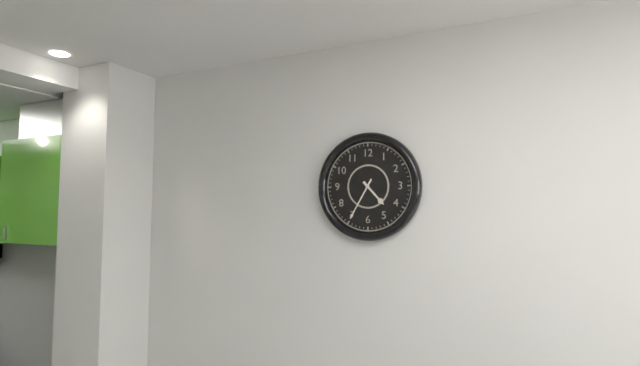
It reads **4:35**
